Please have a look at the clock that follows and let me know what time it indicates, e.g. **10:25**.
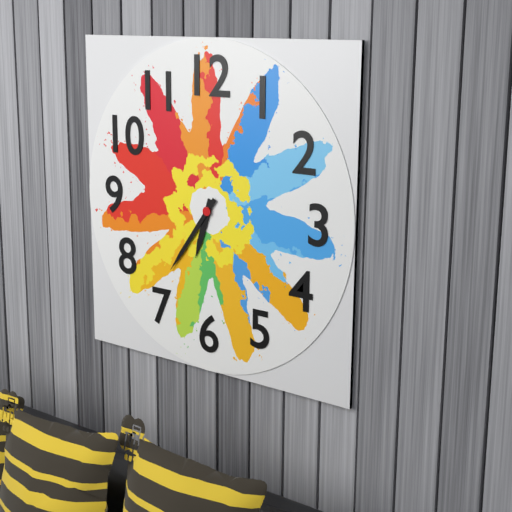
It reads **6:36**
